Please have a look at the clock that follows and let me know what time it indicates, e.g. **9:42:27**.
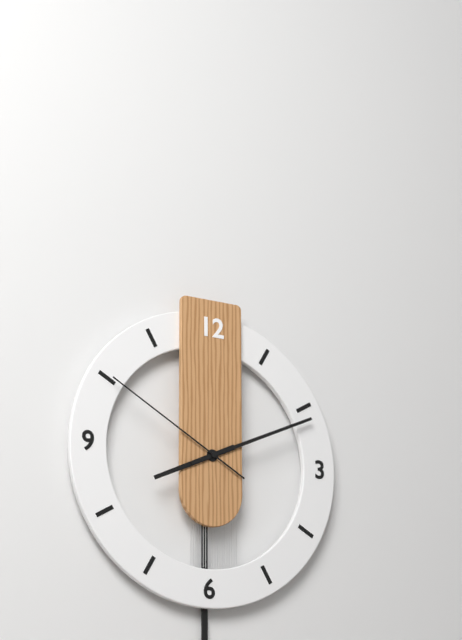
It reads **8:11:50**
